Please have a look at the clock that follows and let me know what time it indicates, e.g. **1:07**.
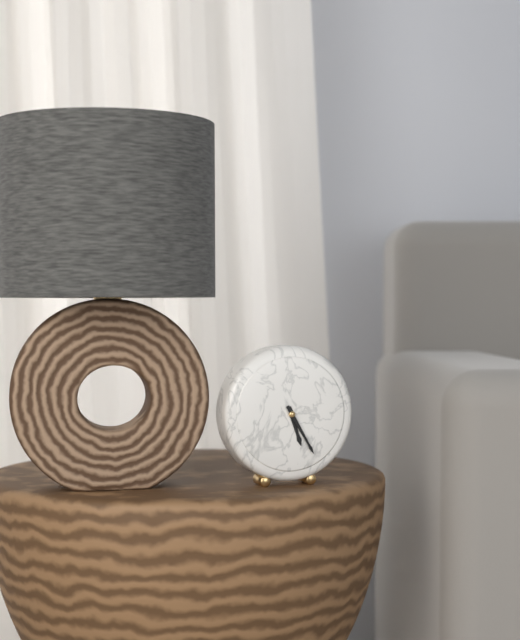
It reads **5:25**
